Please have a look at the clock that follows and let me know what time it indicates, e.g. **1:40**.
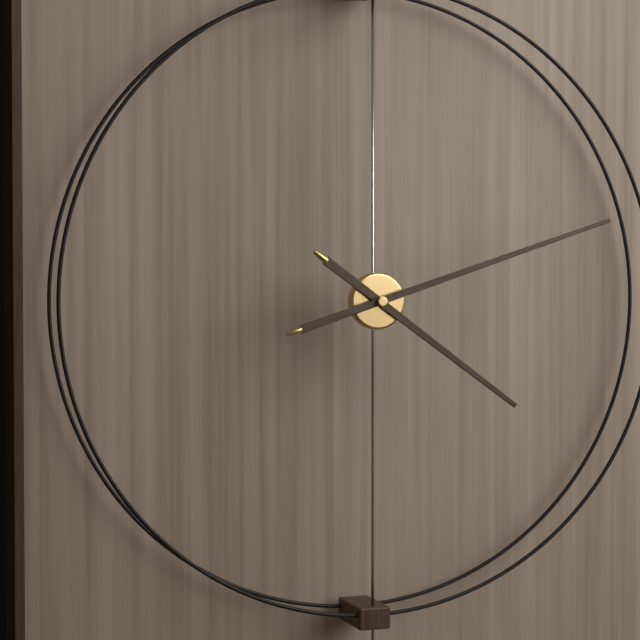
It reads **4:12**
